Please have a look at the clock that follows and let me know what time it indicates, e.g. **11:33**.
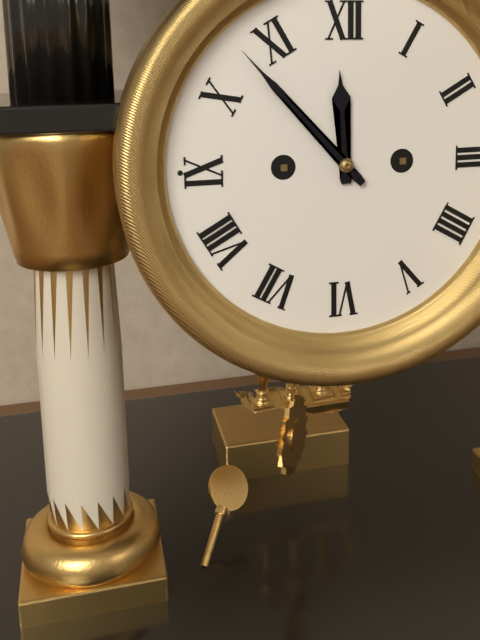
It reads **11:53**
